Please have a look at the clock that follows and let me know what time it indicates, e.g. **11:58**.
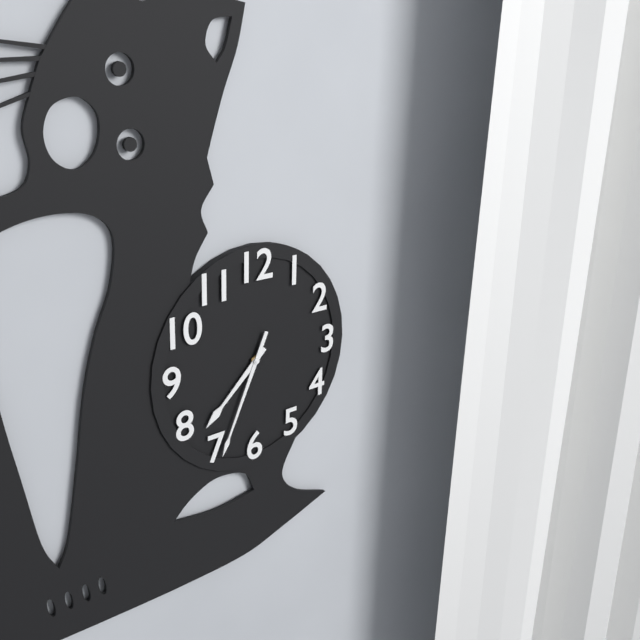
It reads **7:34**
